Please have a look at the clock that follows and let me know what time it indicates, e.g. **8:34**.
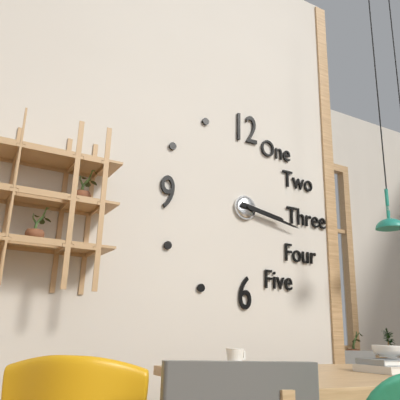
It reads **3:17**
